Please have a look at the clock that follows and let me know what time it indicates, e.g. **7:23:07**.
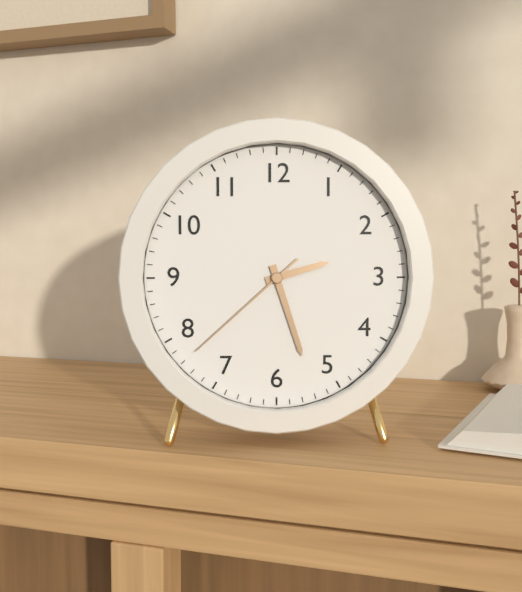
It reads **2:27:38**
